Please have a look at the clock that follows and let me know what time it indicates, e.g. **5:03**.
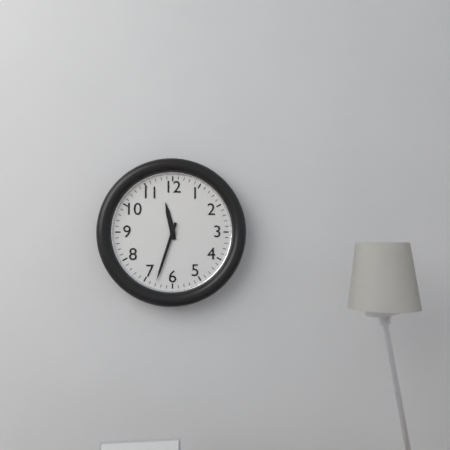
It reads **11:33**
